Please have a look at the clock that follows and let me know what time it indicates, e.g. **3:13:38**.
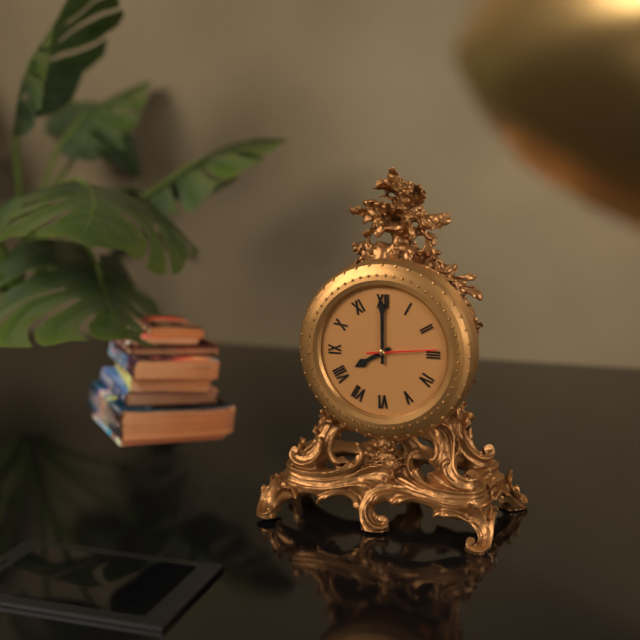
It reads **8:00:14**
